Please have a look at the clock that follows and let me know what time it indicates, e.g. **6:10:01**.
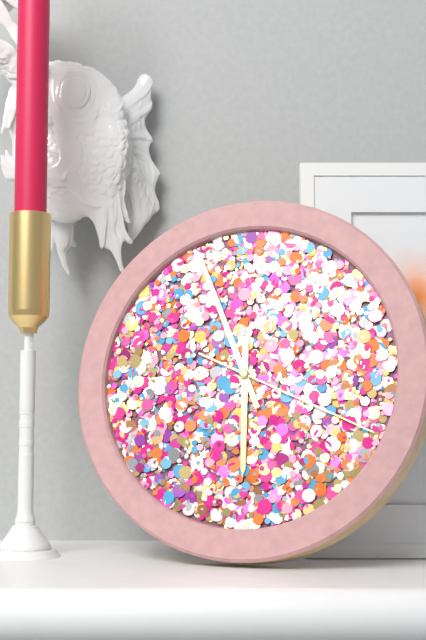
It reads **5:56:19**
